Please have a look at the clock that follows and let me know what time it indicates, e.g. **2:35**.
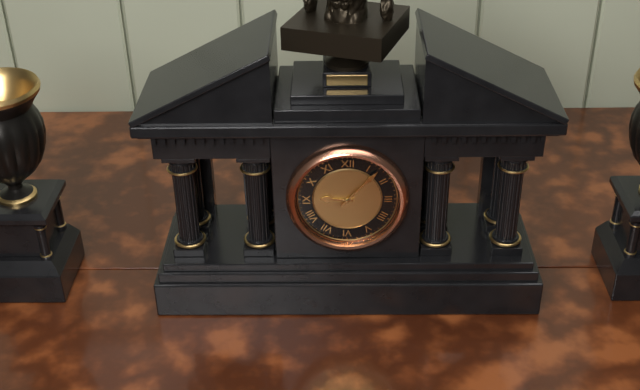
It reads **9:07**
